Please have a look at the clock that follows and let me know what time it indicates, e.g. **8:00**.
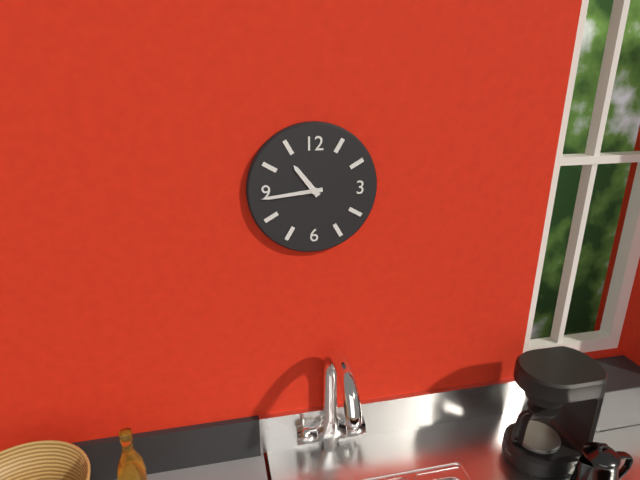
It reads **10:44**
